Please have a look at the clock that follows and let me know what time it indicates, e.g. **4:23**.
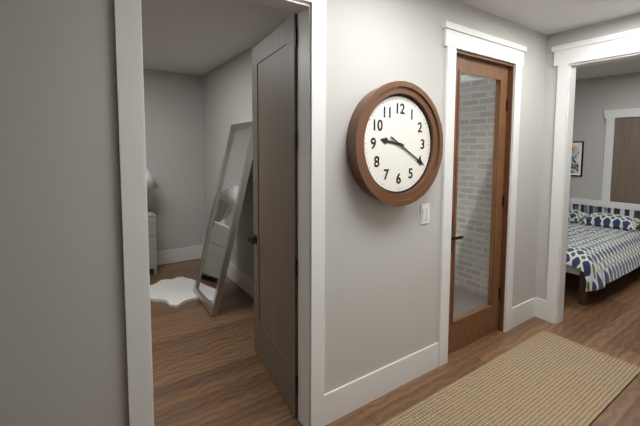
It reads **9:20**
